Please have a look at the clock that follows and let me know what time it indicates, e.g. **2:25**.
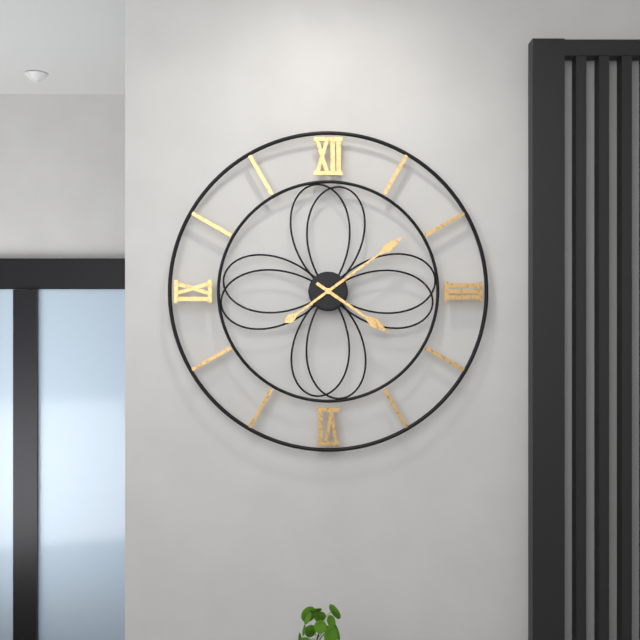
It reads **4:09**
